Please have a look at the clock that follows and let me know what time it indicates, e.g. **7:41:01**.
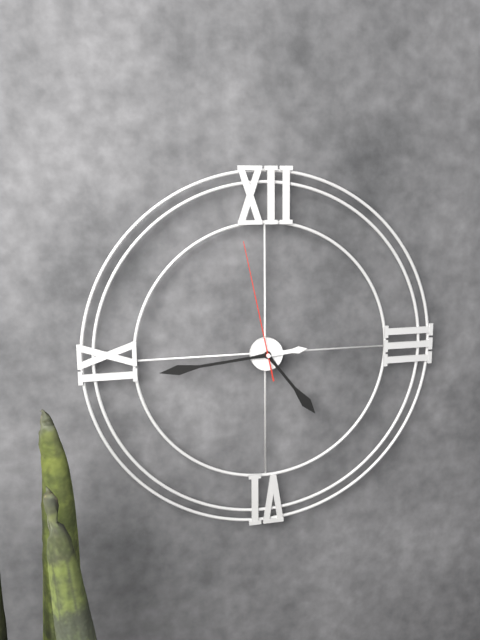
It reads **4:44:58**
